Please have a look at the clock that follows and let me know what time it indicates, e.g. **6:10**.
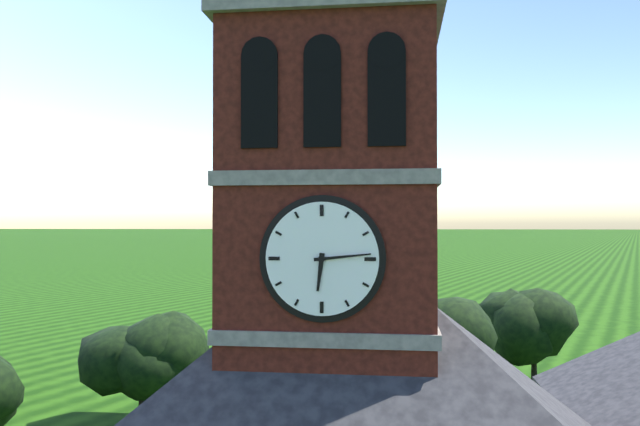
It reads **6:14**
